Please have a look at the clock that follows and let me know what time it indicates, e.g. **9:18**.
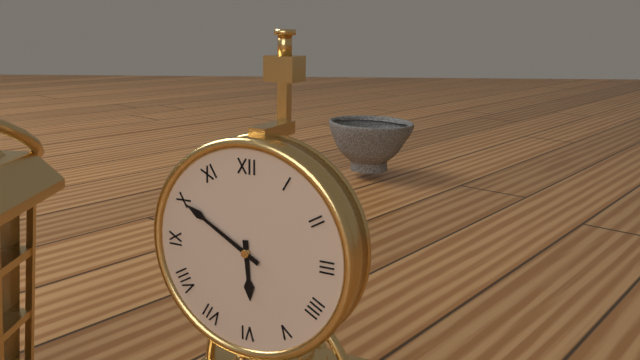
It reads **5:50**
